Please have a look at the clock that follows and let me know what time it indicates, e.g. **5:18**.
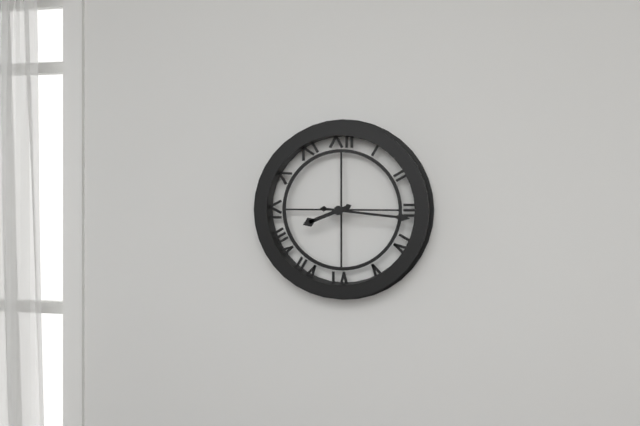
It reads **8:16**
